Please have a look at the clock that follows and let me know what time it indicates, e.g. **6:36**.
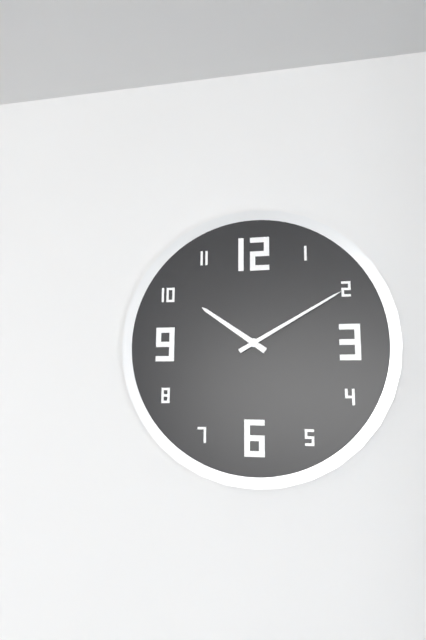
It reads **10:10**
